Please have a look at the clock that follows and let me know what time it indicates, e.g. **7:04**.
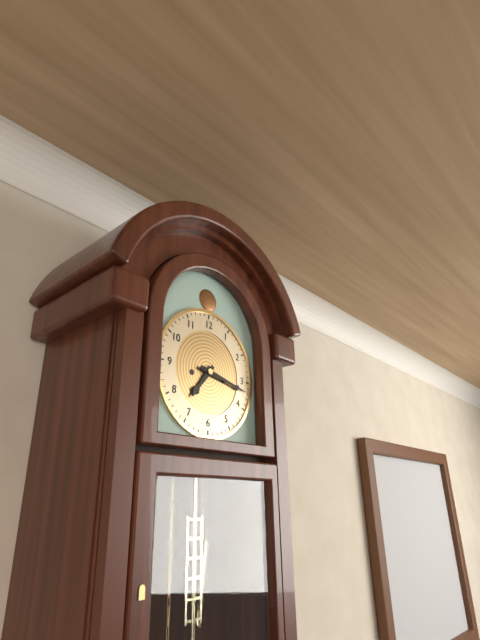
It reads **7:17**
